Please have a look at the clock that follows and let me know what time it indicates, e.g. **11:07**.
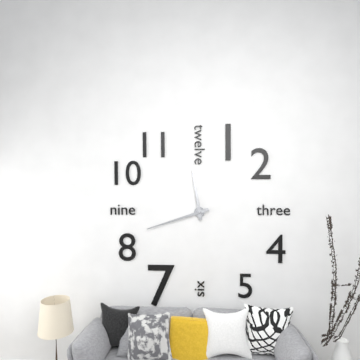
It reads **11:42**
